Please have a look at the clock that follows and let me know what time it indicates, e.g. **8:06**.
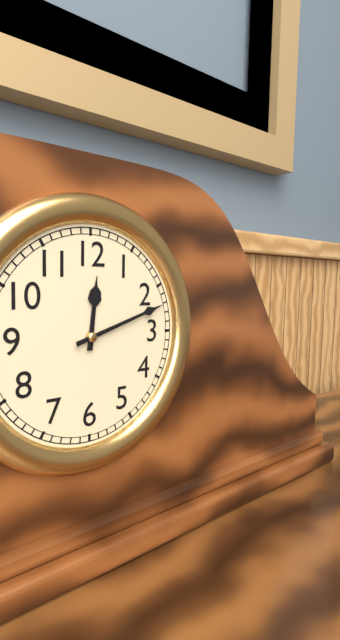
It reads **12:12**
